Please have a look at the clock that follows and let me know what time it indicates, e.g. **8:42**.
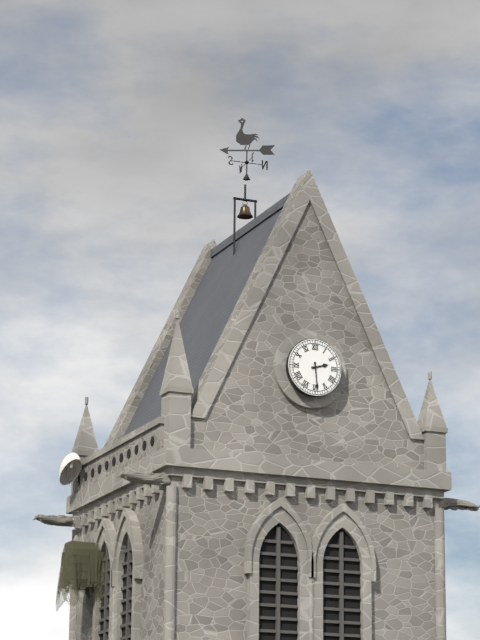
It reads **2:29**
